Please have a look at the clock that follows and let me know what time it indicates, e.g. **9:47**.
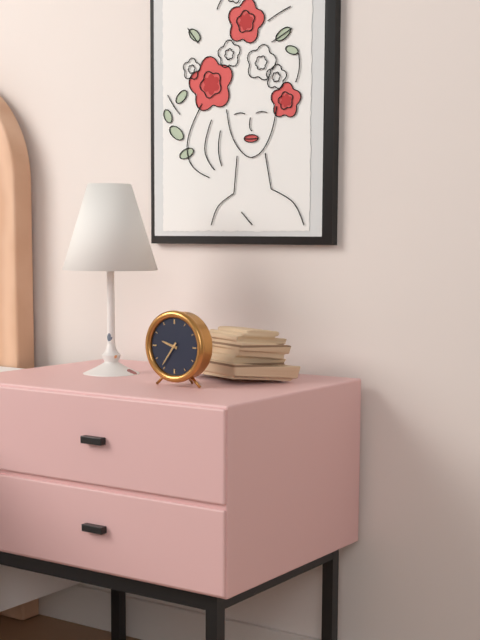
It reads **9:36**
